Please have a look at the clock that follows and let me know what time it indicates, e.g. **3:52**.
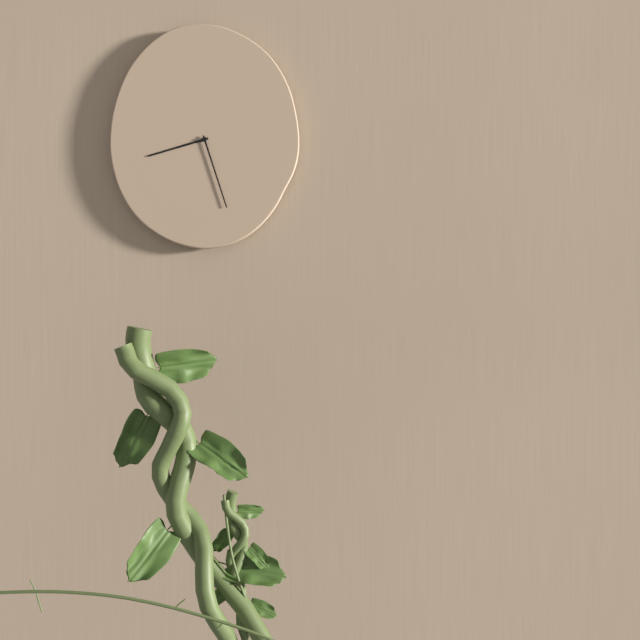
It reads **8:27**
